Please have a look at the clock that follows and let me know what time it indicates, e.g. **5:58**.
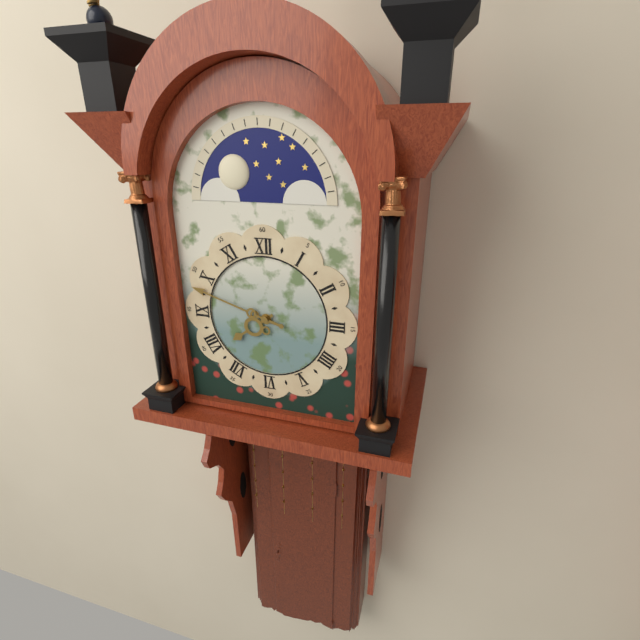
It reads **7:48**
